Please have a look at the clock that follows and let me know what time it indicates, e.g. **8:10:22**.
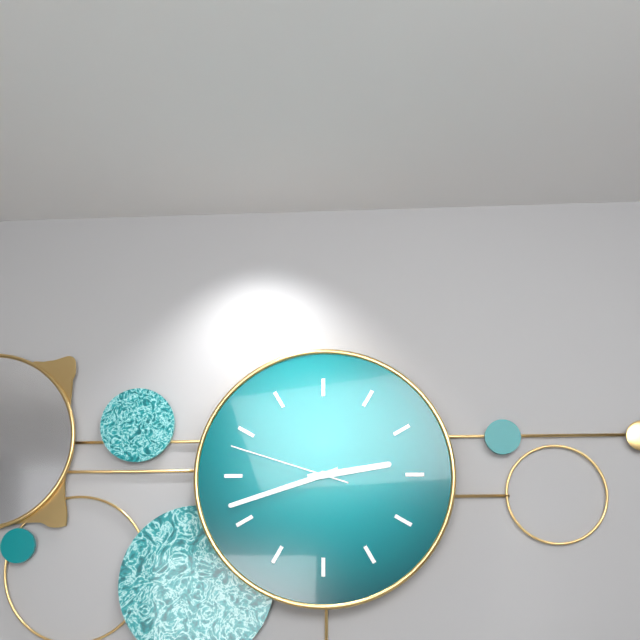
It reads **2:42:48**
